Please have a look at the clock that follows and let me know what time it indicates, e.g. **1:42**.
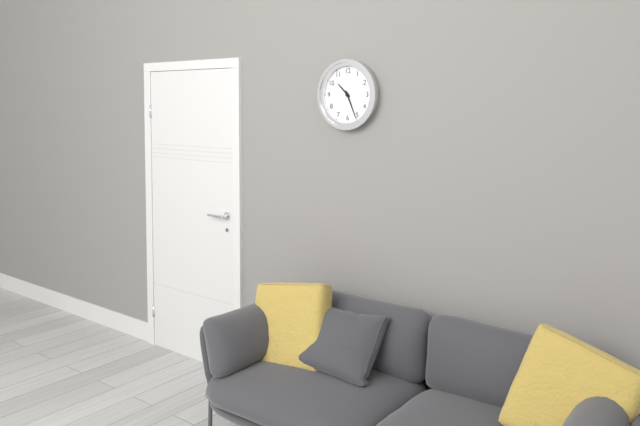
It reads **10:26**
